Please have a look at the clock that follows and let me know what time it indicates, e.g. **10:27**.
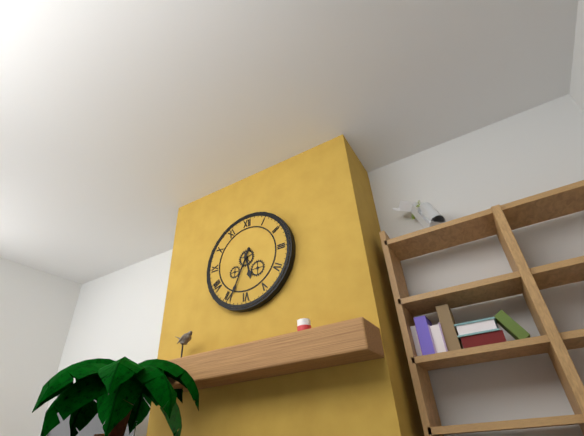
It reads **5:34**
